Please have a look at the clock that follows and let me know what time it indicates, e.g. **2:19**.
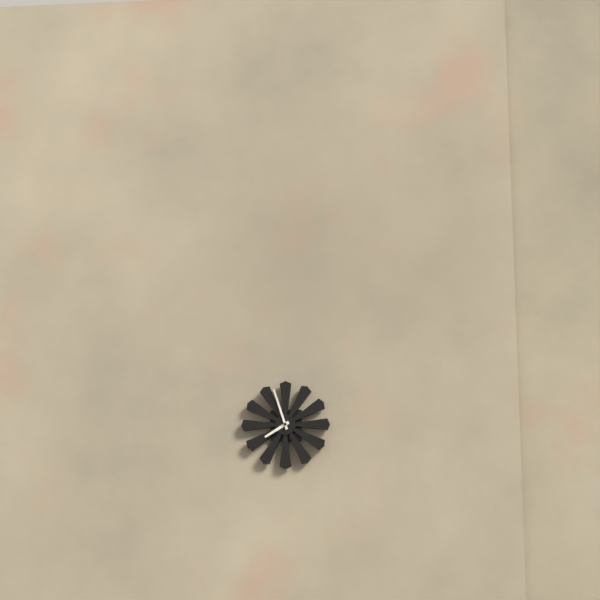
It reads **7:57**
